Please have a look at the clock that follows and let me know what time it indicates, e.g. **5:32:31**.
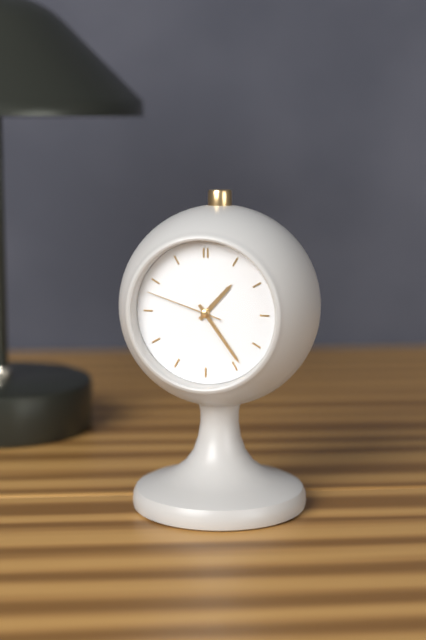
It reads **1:24:48**
